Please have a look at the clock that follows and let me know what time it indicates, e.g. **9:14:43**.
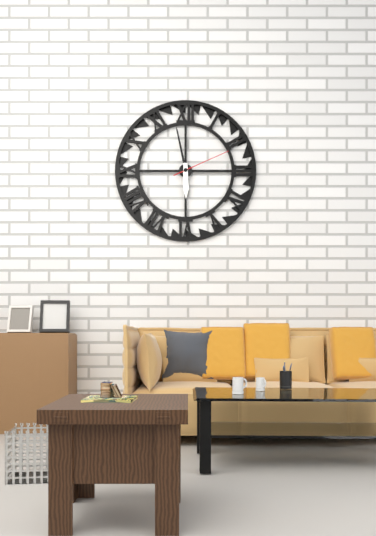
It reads **5:58:11**
